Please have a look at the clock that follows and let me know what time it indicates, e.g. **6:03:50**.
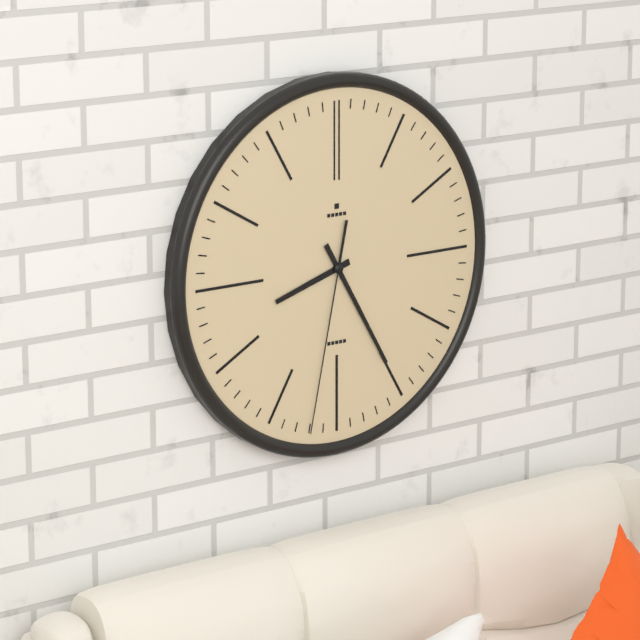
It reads **8:25:32**
